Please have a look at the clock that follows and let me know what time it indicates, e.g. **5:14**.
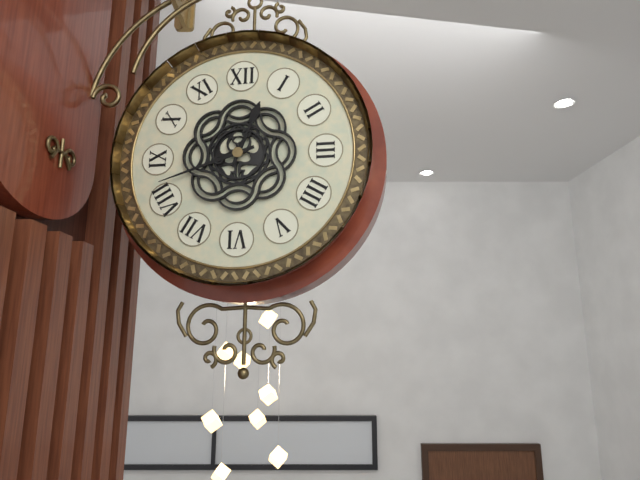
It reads **12:42**
